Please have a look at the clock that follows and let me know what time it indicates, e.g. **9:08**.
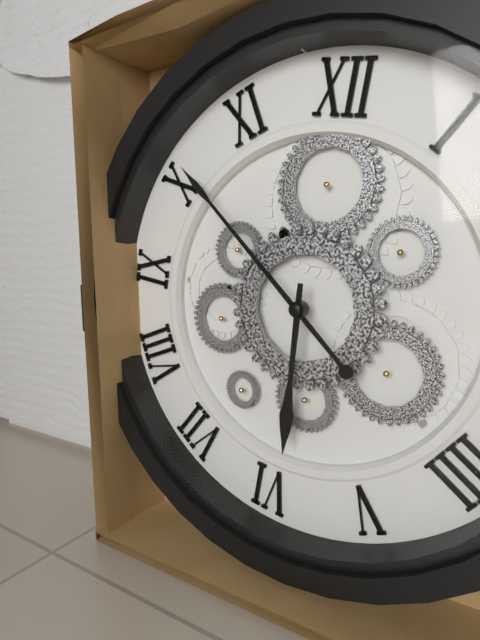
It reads **5:51**
